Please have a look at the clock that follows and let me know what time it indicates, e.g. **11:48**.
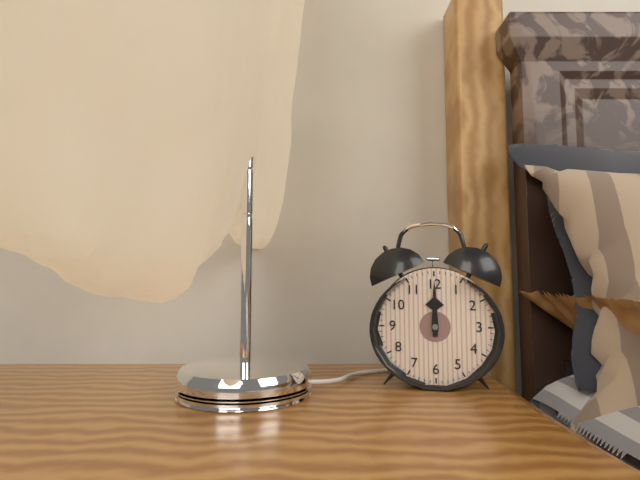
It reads **12:00**
